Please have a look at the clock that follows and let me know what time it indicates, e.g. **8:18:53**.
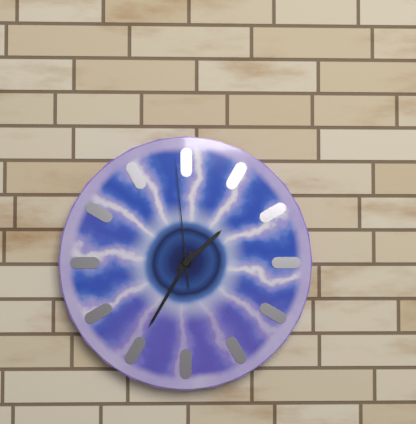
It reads **1:35:59**
